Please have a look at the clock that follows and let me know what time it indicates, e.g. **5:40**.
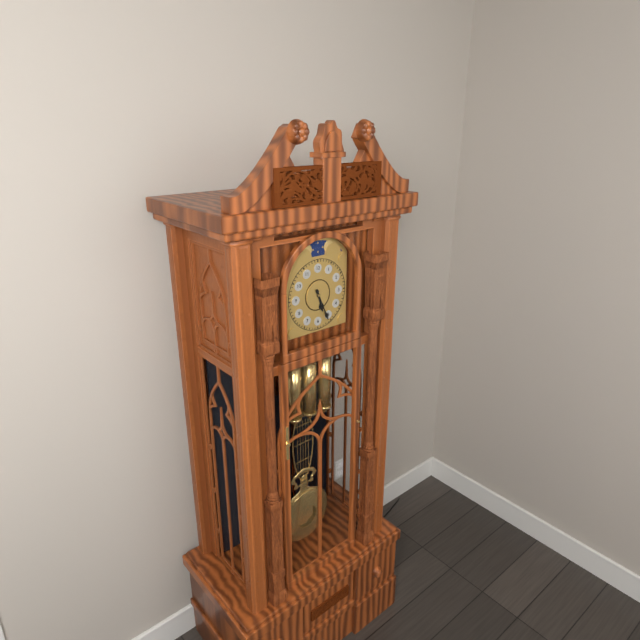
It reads **5:26**
